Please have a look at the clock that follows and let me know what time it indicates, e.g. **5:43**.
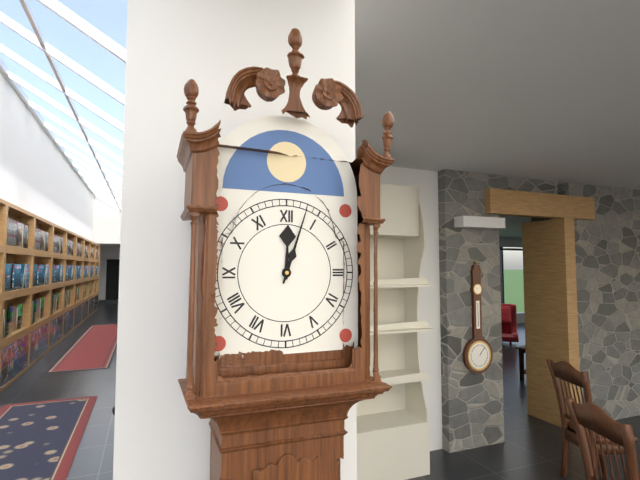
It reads **12:03**
